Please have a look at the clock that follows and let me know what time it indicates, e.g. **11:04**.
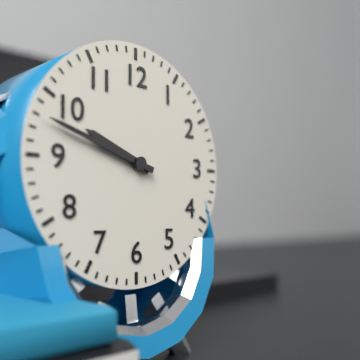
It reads **9:48**
